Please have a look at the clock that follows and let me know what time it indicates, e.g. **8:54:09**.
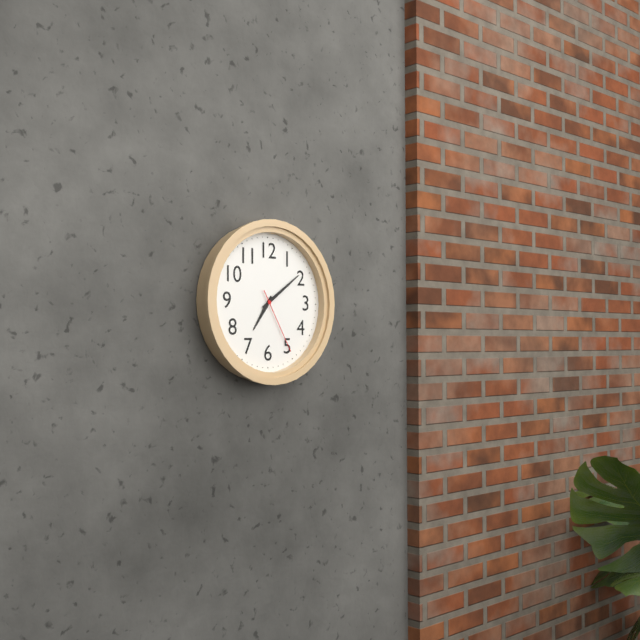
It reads **7:09:25**
